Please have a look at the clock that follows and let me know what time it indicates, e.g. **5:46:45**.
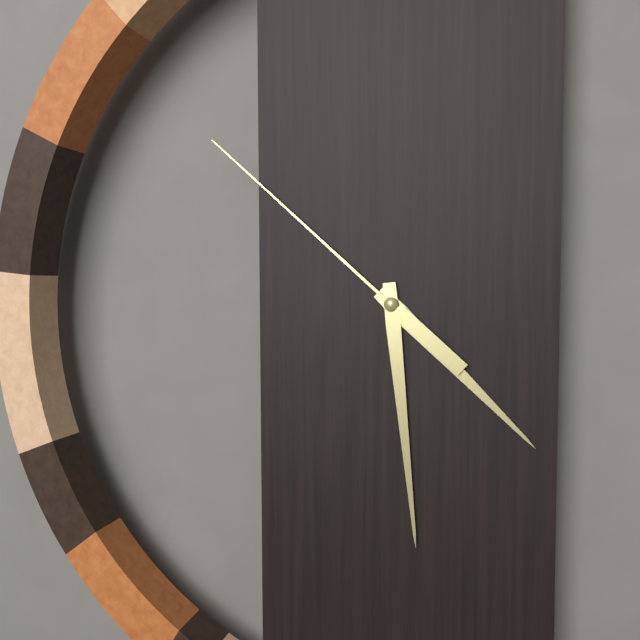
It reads **4:29:52**
